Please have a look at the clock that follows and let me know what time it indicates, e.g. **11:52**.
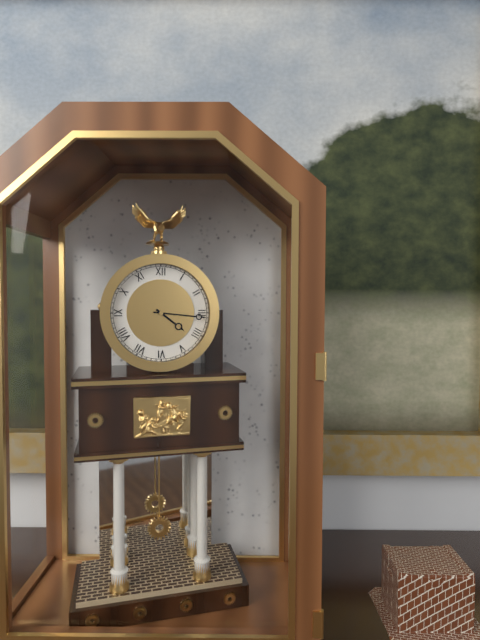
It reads **4:16**
